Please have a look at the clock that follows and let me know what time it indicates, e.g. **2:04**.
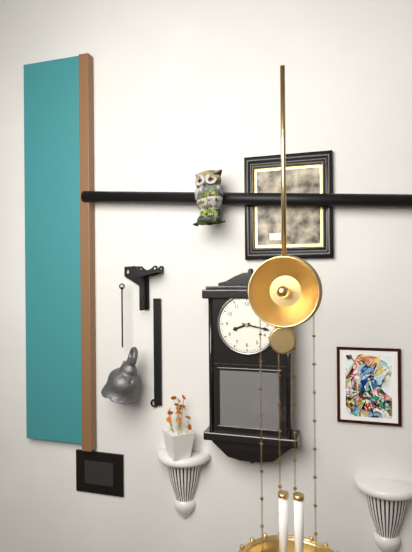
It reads **8:17**
